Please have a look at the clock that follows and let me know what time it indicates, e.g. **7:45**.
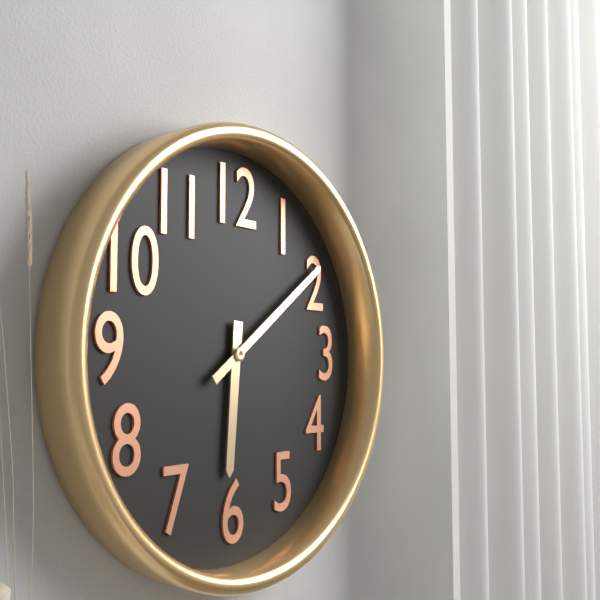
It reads **6:09**
